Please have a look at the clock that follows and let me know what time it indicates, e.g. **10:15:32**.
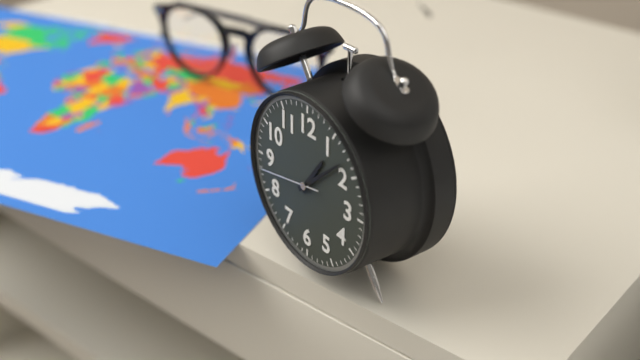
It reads **1:08:43**
